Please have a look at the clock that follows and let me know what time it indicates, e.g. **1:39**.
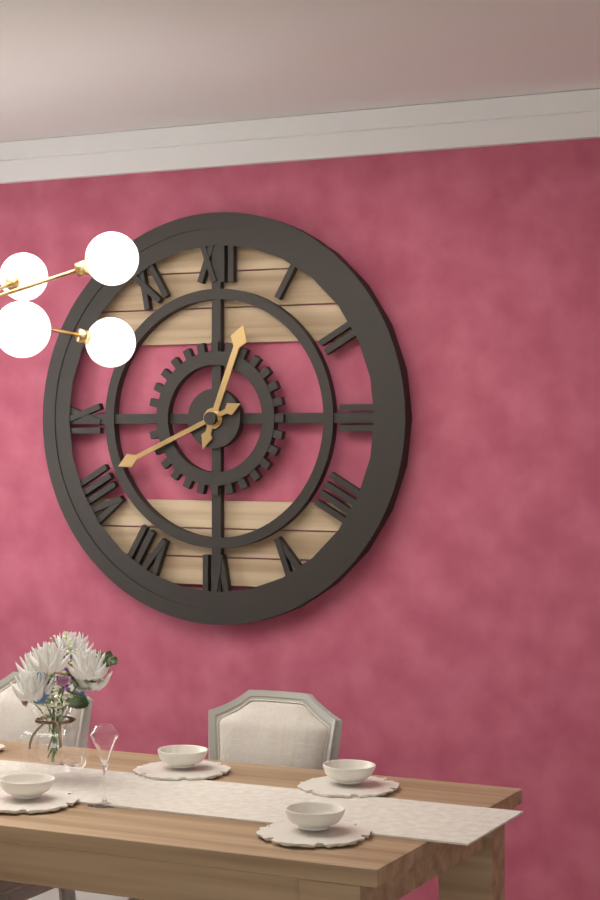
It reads **12:41**
